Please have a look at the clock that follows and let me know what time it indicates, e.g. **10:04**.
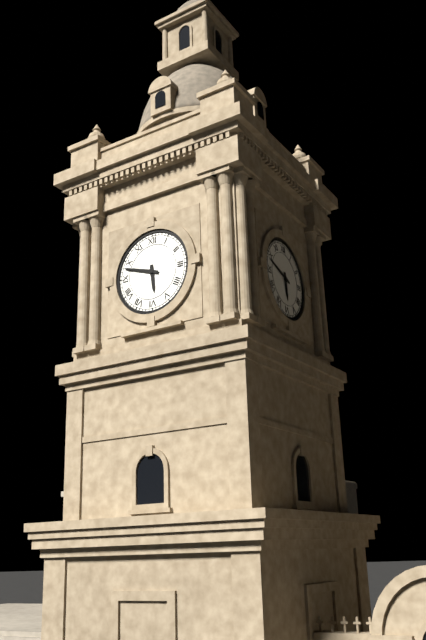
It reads **5:48**
